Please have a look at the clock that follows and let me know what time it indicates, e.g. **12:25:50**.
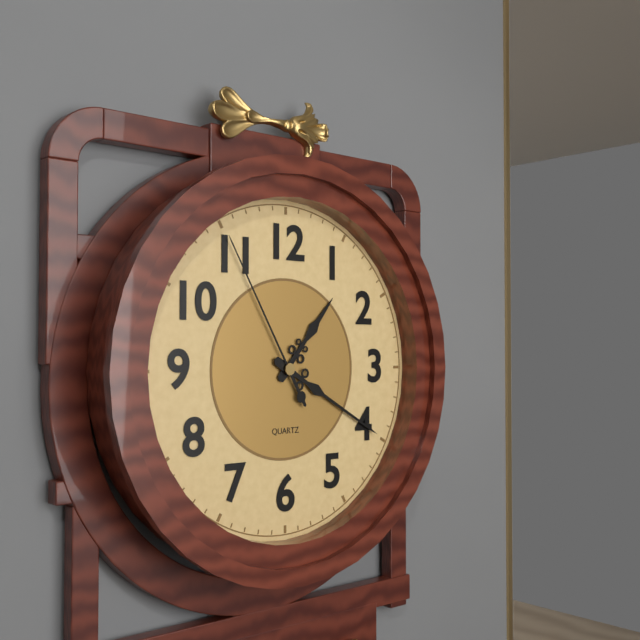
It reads **1:20:55**
